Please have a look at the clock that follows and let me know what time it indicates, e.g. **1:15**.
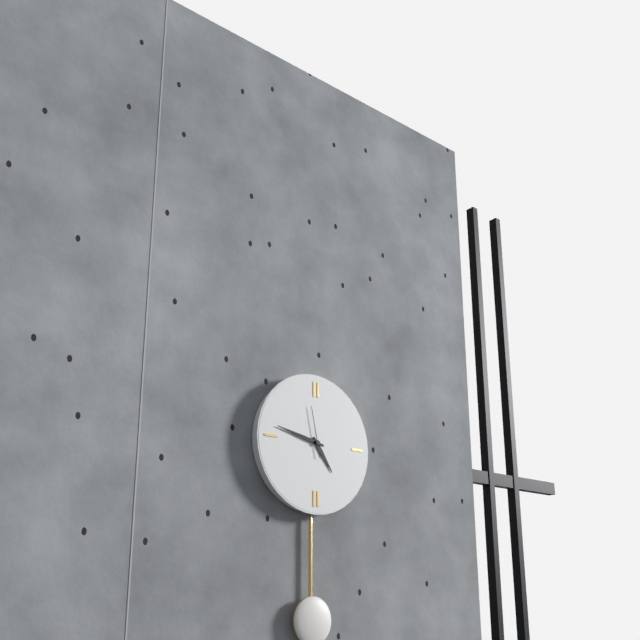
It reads **4:47**
